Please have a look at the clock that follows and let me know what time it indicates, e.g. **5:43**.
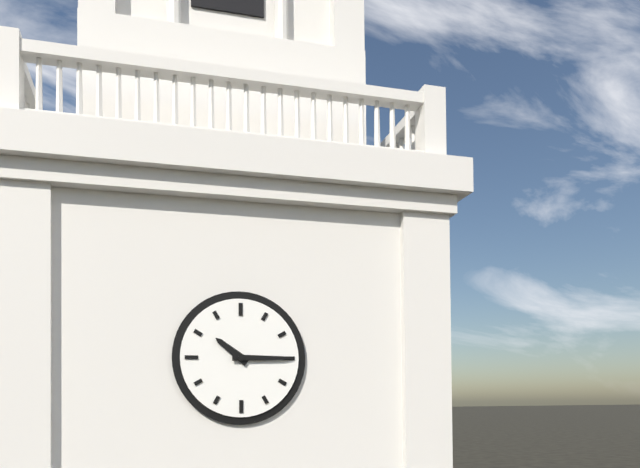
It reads **10:15**
